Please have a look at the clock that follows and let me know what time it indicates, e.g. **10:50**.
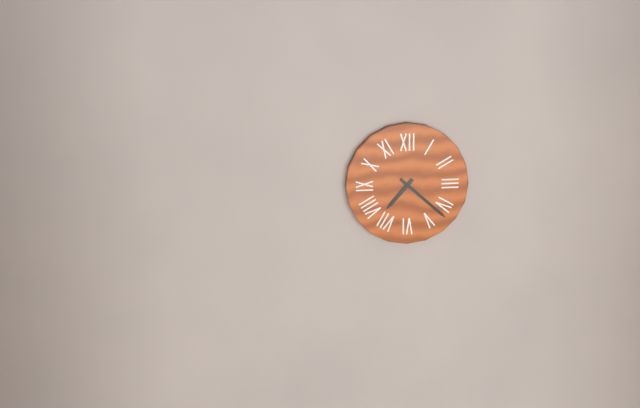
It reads **7:22**
